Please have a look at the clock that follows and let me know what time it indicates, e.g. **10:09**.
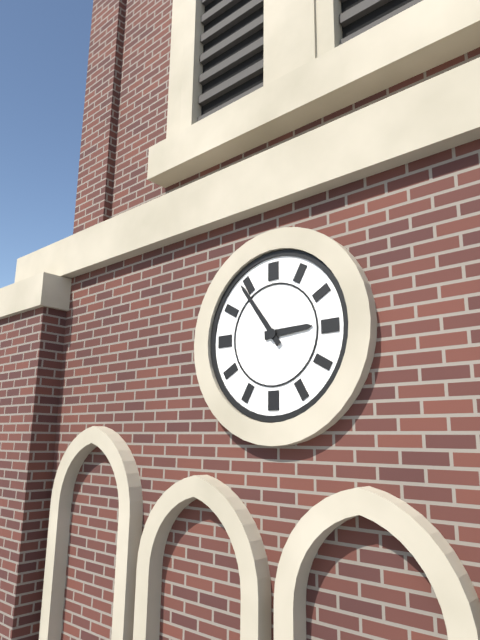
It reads **2:54**
